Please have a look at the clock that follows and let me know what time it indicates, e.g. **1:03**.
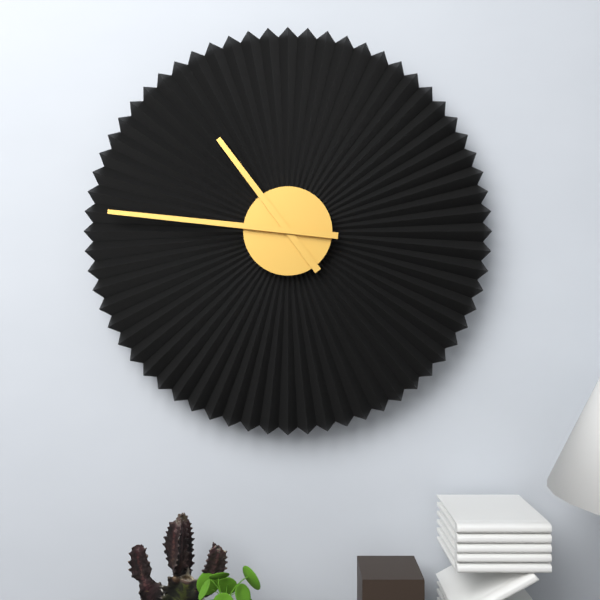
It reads **10:46**
